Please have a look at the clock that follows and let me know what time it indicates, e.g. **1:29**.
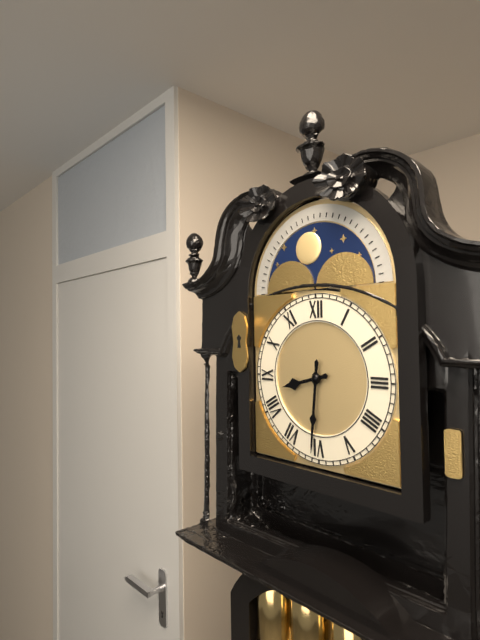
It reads **8:31**
